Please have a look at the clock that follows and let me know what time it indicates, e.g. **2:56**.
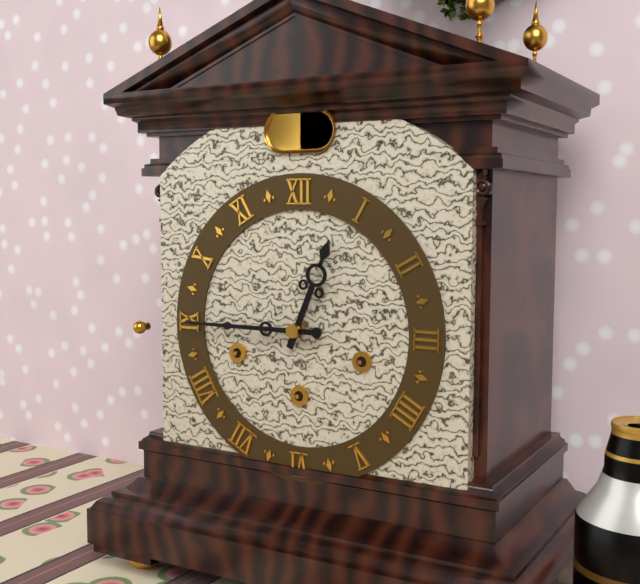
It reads **12:45**
